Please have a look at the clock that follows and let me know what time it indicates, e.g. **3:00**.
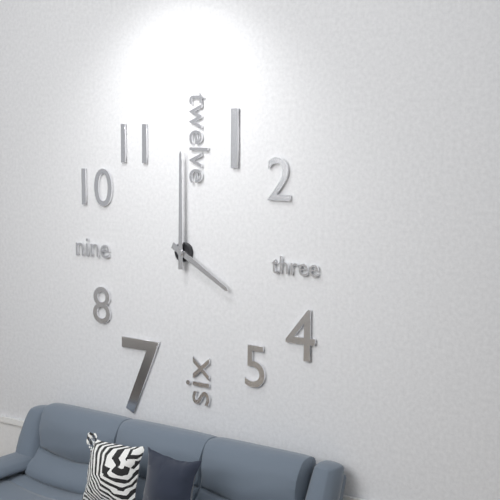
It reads **4:00**
